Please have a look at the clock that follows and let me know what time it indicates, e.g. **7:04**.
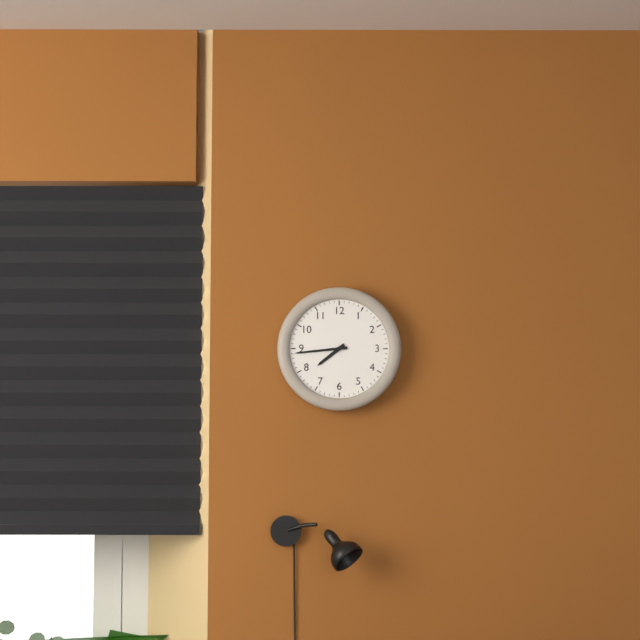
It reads **7:44**
